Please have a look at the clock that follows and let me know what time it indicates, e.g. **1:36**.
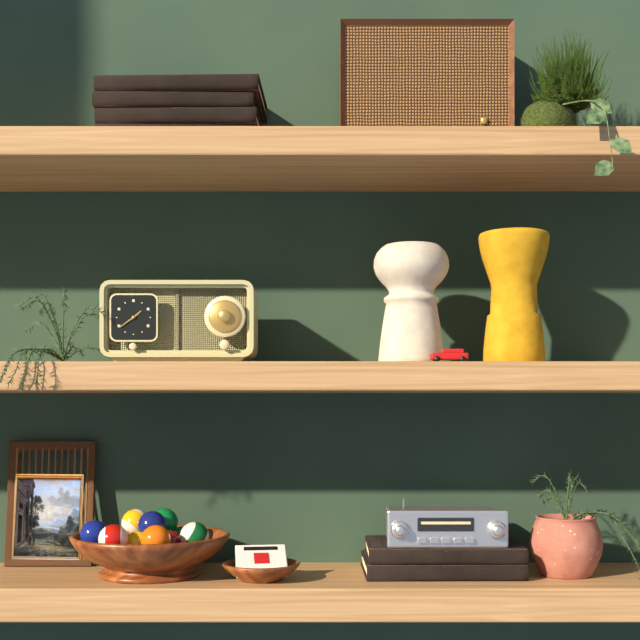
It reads **1:39**
